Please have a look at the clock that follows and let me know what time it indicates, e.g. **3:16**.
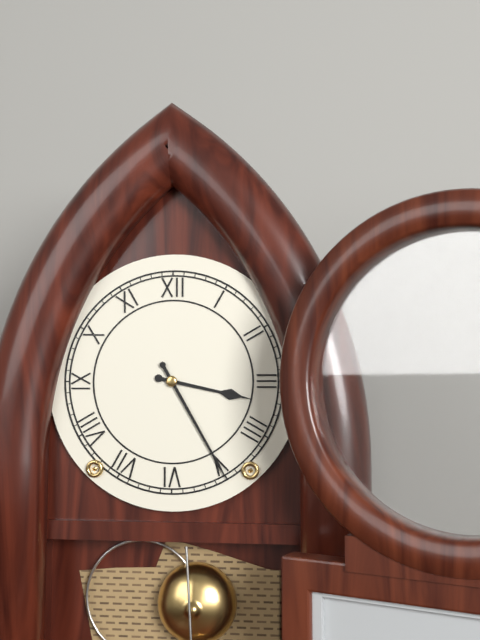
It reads **3:25**
